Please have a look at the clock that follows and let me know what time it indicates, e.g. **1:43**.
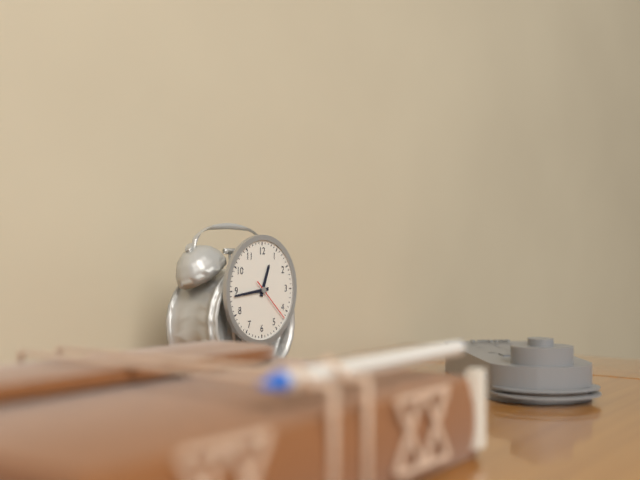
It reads **12:44**
